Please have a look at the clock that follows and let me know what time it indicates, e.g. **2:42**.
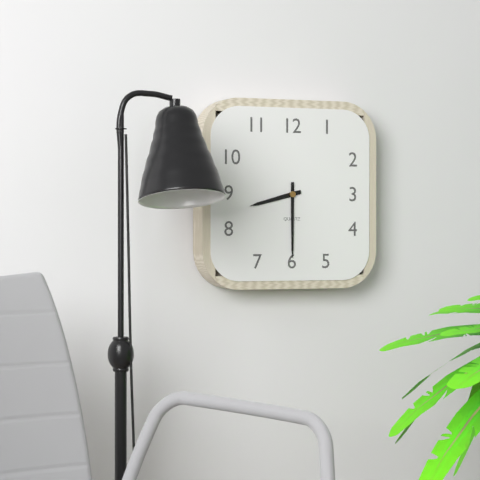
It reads **8:30**
